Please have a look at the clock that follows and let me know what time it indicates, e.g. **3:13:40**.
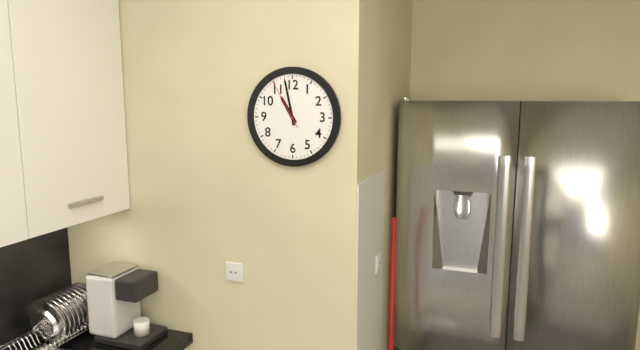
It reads **10:58:55**
